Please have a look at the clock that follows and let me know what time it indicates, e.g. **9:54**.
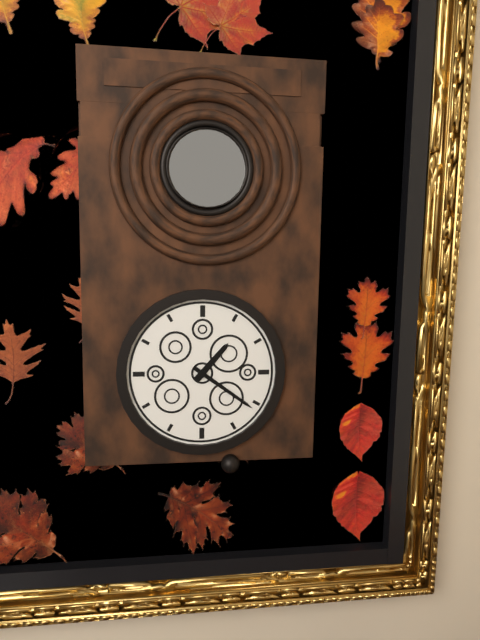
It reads **1:21**
